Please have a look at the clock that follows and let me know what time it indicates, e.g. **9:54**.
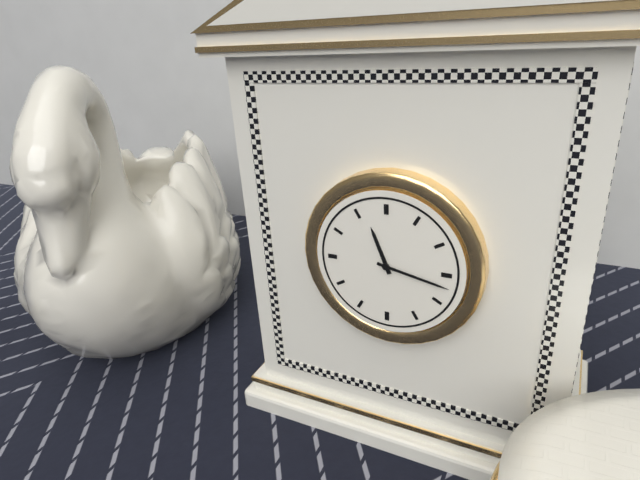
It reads **11:17**
